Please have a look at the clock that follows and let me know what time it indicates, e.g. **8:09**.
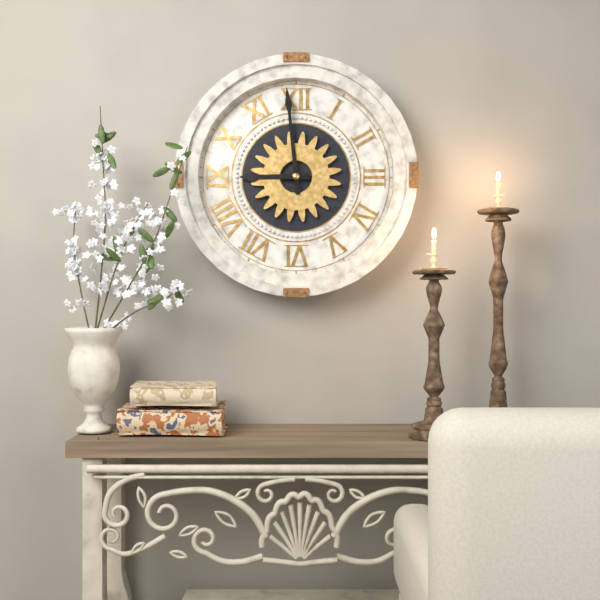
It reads **8:59**
